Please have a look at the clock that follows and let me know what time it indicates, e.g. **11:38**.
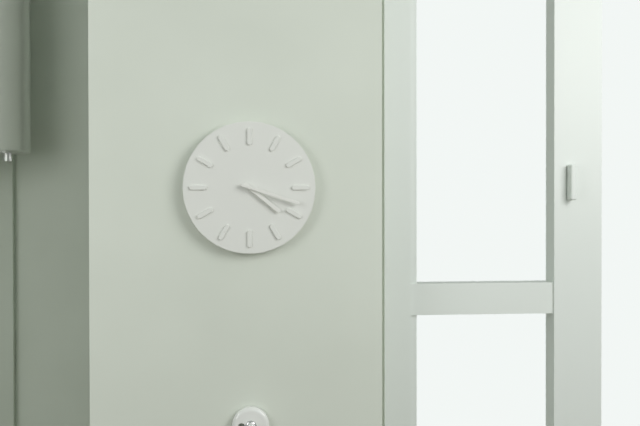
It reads **4:18**
